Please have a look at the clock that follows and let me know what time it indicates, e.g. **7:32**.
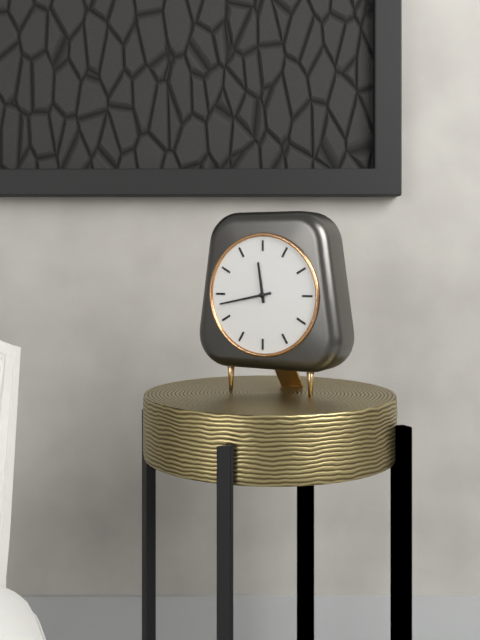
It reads **11:43**
